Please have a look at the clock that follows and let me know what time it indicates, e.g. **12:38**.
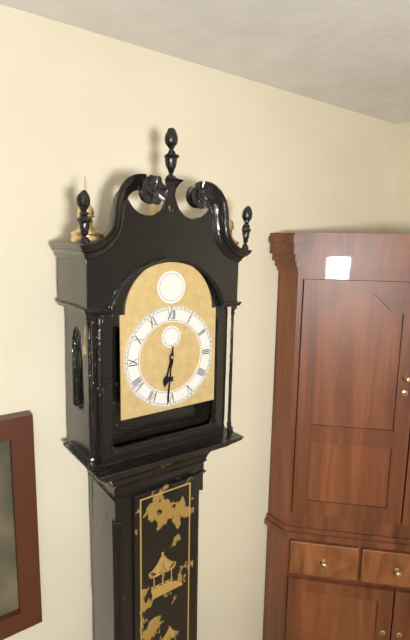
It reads **6:31**
